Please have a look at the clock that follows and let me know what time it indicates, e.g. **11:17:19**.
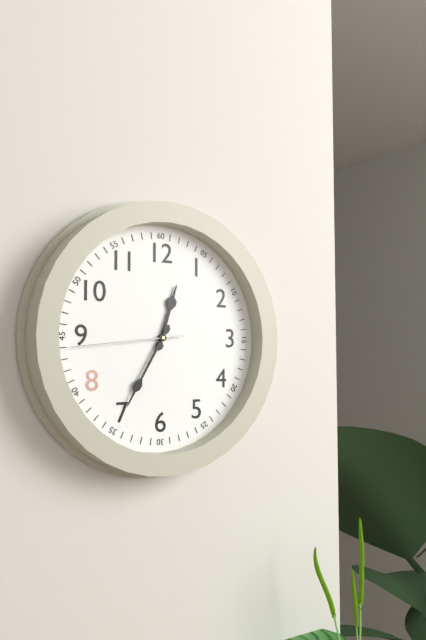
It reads **12:35:44**
